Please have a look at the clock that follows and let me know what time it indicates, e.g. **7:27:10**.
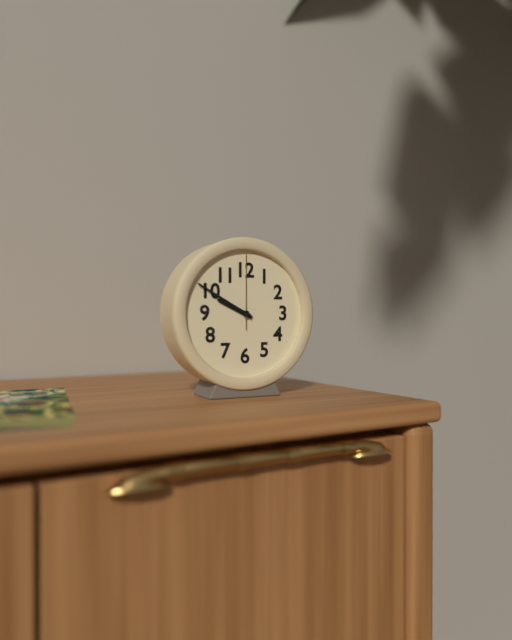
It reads **9:50:00**
